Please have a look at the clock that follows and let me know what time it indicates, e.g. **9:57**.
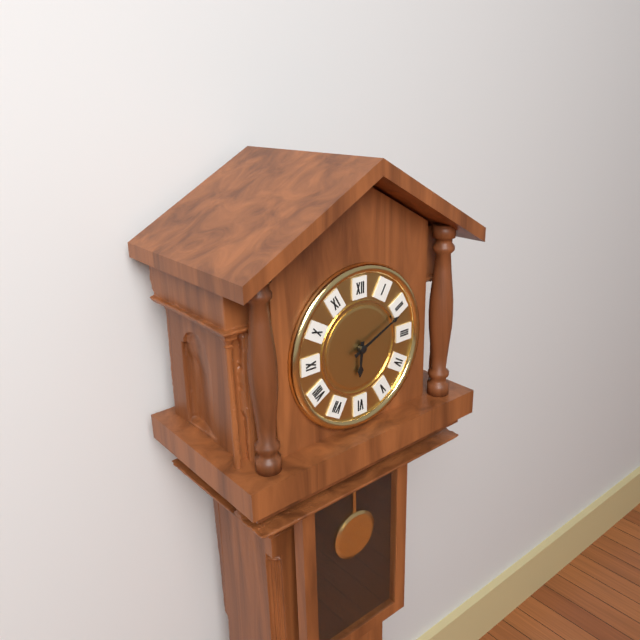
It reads **6:11**
